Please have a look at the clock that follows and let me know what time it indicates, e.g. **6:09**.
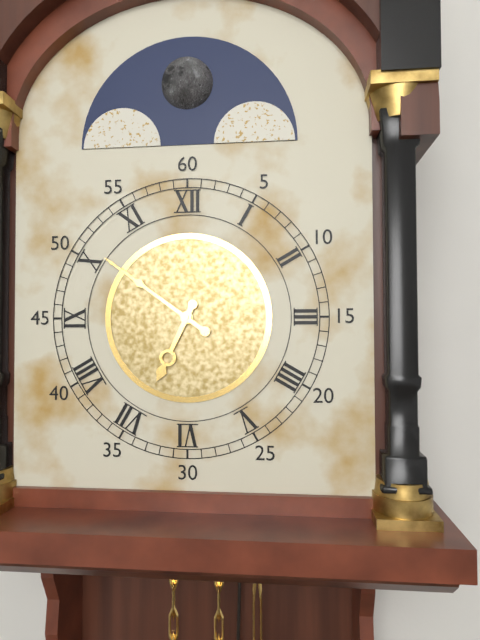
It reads **6:51**
